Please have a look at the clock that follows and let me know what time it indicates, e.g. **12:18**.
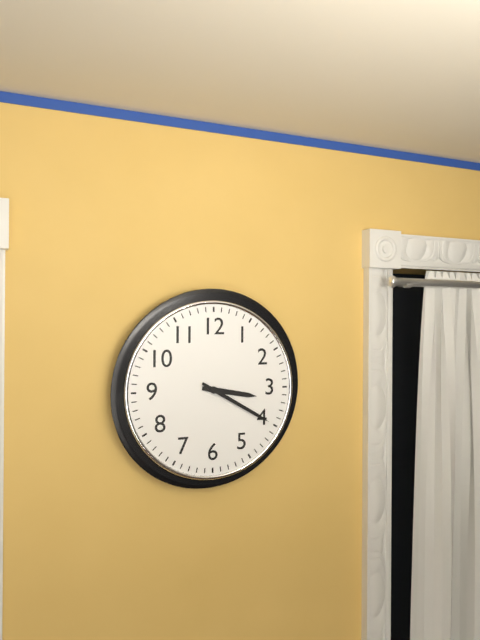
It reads **3:20**
